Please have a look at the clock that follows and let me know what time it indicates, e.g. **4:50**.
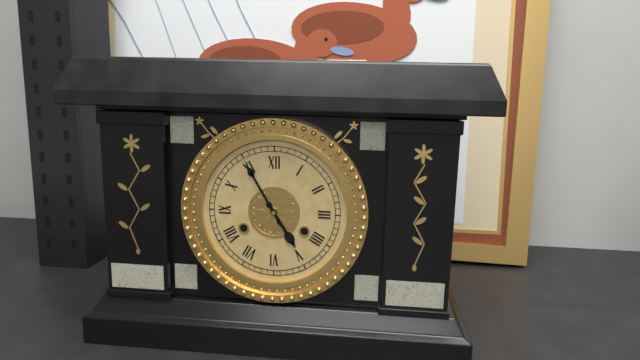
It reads **4:55**
